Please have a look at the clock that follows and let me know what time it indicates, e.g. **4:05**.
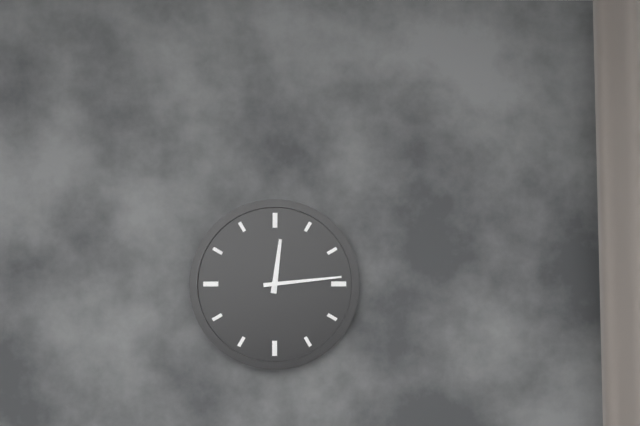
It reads **12:14**
